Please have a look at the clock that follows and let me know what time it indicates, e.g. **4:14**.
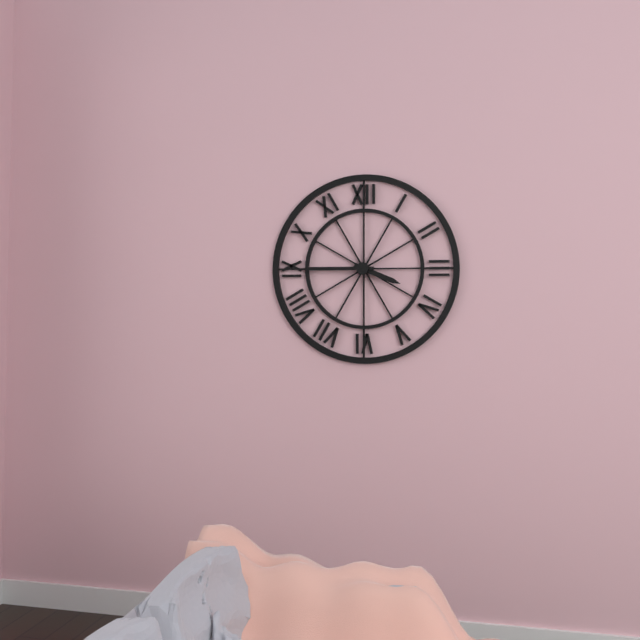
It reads **3:45**
